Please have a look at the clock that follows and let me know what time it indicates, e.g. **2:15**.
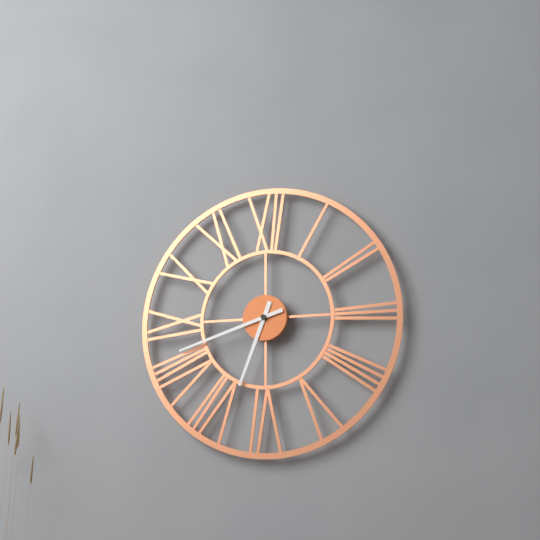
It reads **6:42**
